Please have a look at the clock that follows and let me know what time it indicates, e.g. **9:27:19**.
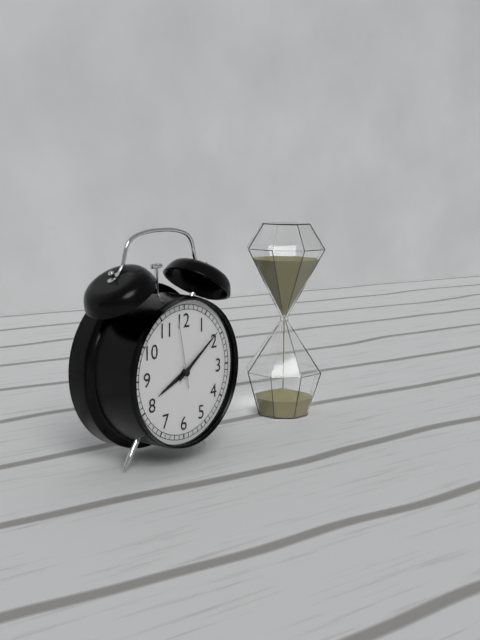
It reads **8:09:58**
